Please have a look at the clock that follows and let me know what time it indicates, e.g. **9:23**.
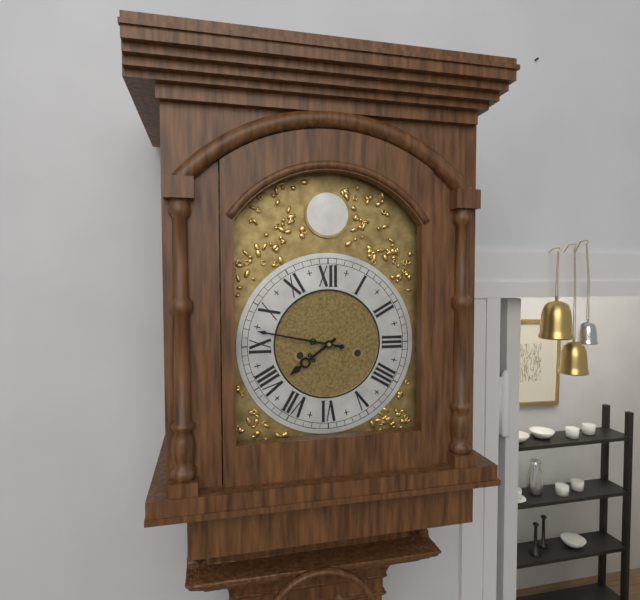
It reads **7:47**
